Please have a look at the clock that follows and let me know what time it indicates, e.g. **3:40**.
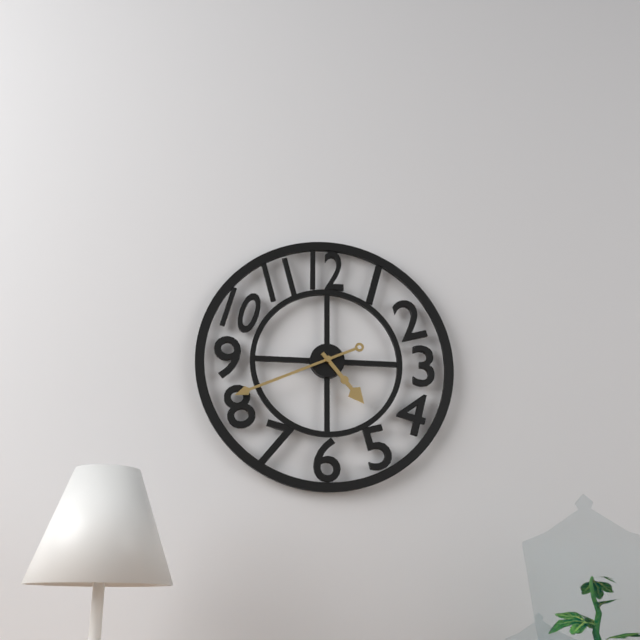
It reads **4:41**
